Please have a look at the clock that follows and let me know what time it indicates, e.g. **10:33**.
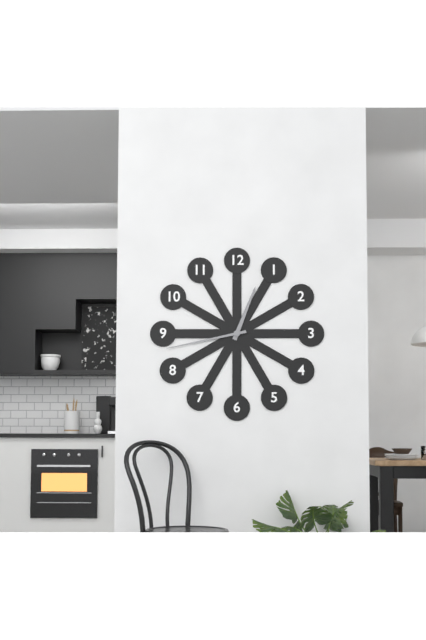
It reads **12:43**
